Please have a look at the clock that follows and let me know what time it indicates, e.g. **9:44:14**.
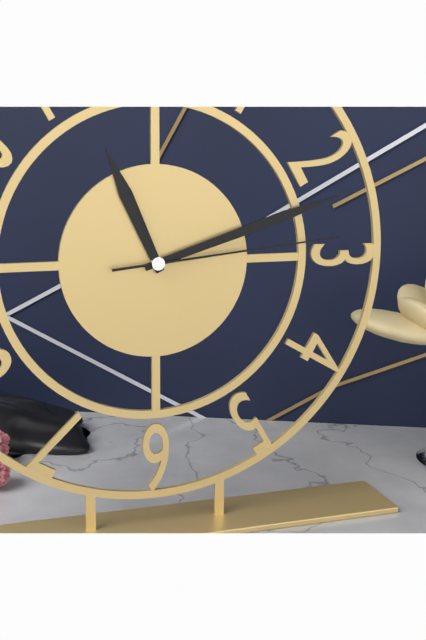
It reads **11:12:14**
